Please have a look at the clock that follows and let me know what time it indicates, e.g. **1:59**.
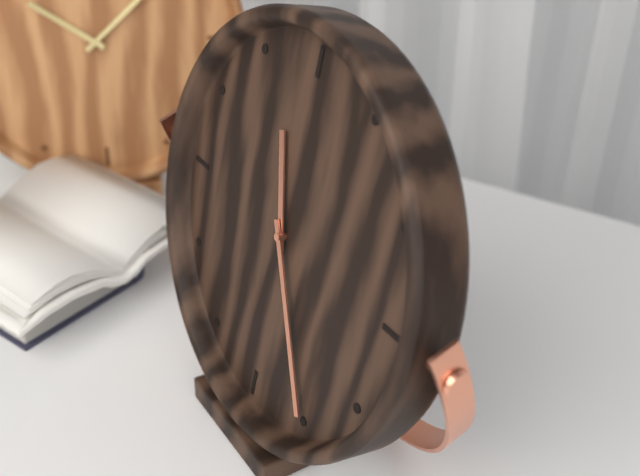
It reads **11:25**
